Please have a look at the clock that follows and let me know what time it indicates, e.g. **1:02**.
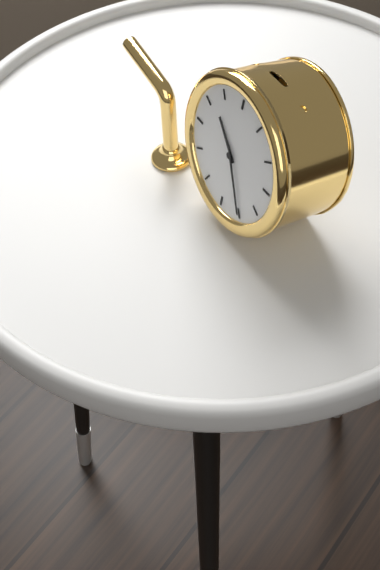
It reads **10:25**
